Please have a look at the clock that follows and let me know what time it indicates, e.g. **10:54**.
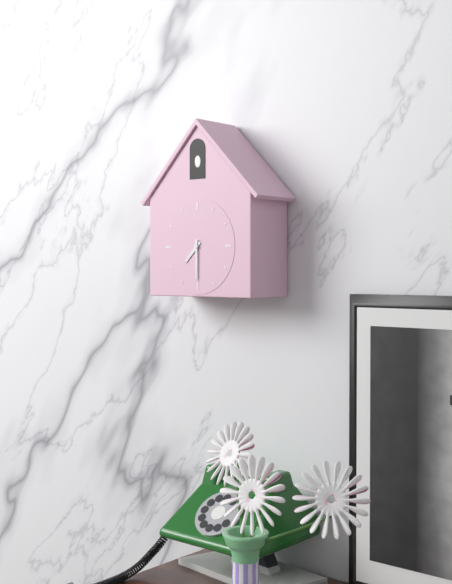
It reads **7:30**
